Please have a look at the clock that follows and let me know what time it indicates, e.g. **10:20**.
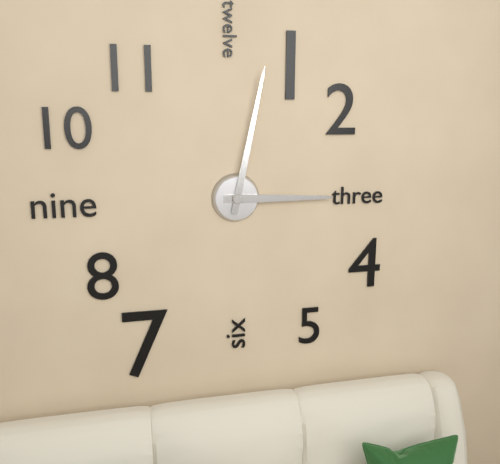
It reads **3:02**
